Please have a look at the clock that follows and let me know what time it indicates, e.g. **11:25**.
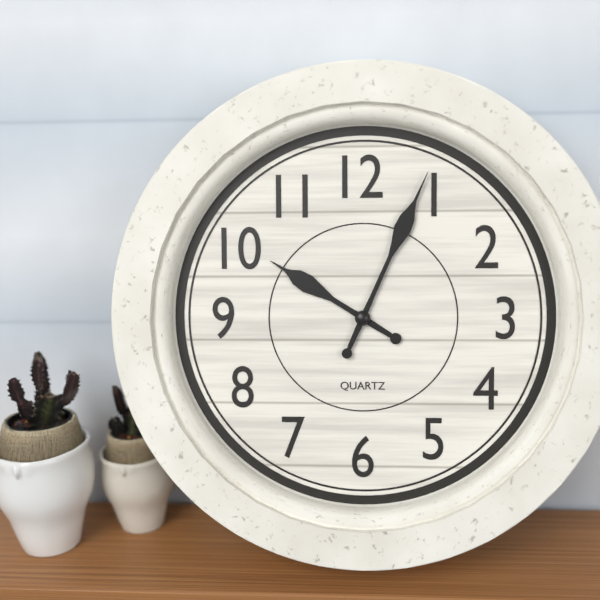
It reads **10:04**
